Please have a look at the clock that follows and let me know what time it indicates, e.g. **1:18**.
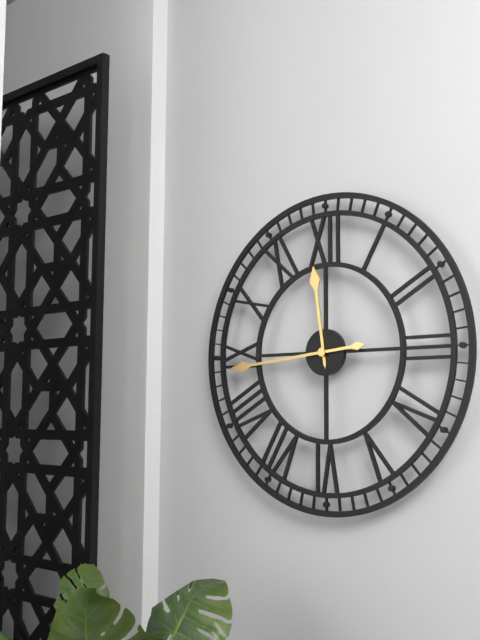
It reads **11:44**
